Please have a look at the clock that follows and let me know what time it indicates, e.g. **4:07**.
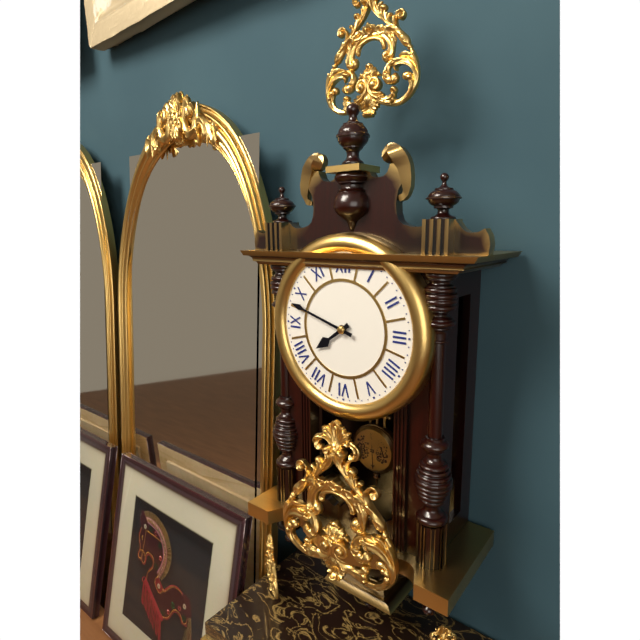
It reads **7:48**
